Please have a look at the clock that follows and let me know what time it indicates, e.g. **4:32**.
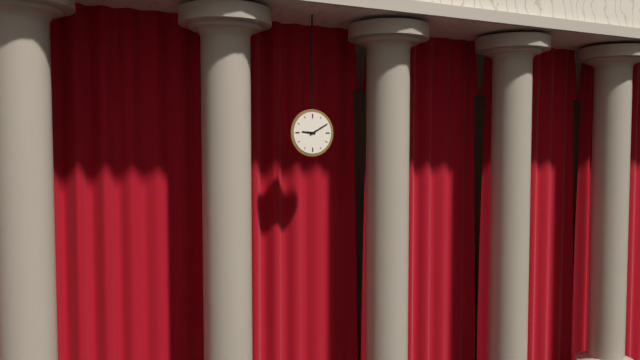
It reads **9:10**
